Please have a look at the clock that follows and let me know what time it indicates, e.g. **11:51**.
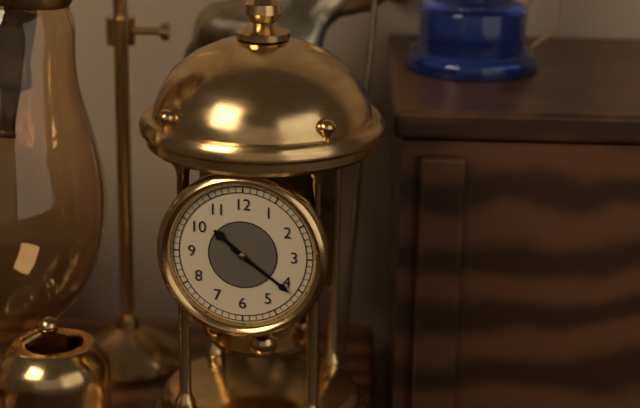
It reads **10:21**
